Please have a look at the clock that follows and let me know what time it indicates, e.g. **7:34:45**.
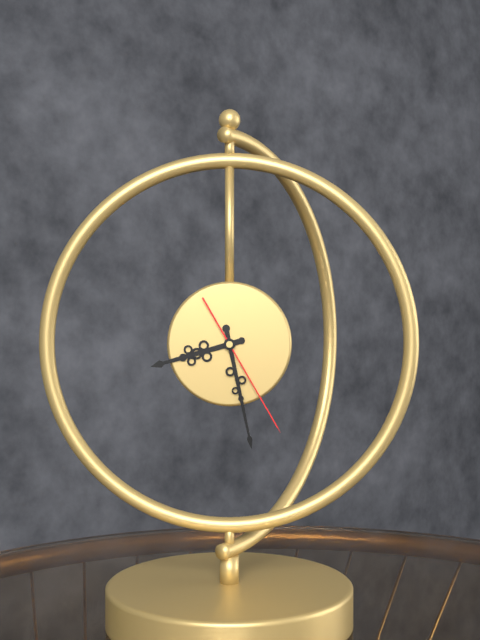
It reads **8:28:25**
